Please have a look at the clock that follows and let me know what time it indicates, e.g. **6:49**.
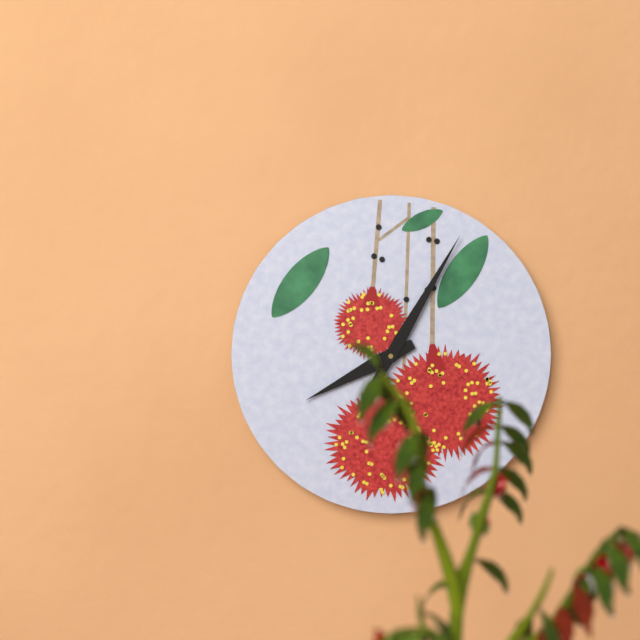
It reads **8:05**
